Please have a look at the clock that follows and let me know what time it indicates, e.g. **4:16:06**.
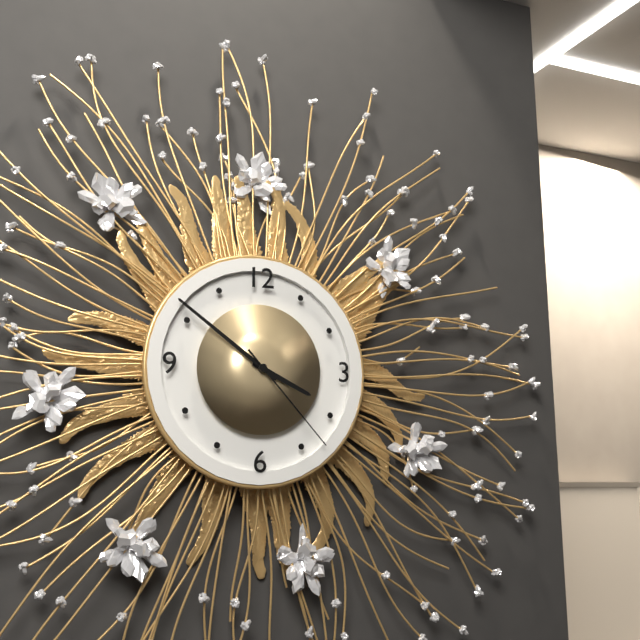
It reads **3:51:23**
